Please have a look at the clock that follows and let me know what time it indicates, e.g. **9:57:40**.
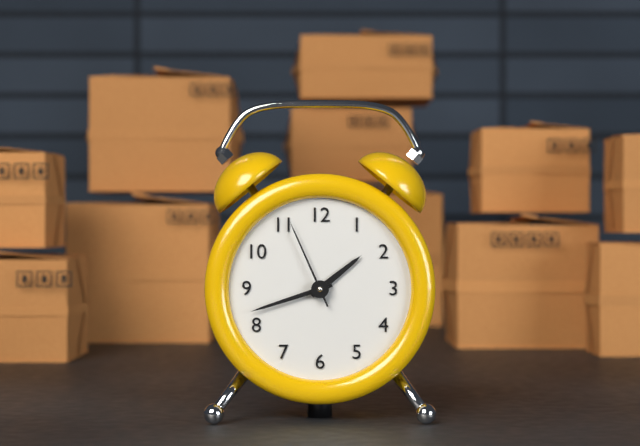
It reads **1:42:56**
